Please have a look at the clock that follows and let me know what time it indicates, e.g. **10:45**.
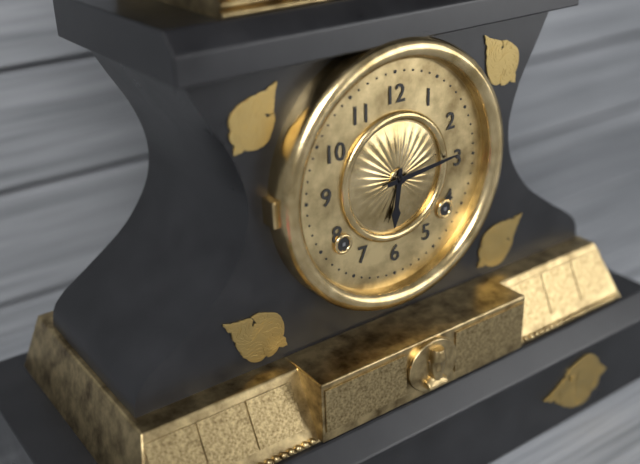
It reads **6:14**
